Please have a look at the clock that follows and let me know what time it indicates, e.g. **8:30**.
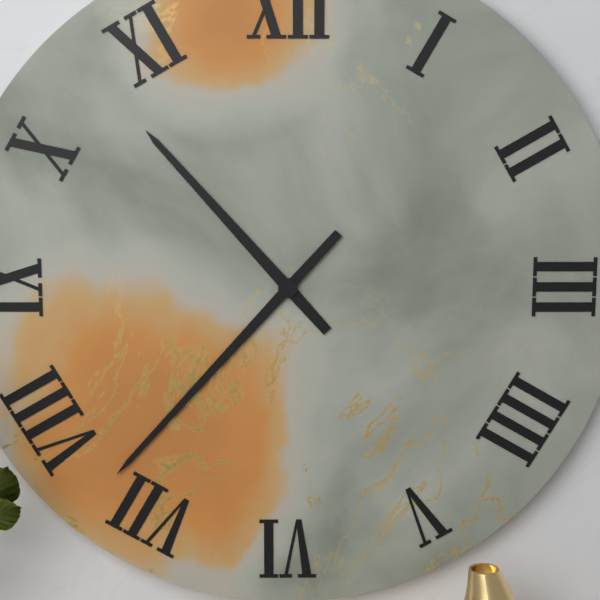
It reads **10:37**
